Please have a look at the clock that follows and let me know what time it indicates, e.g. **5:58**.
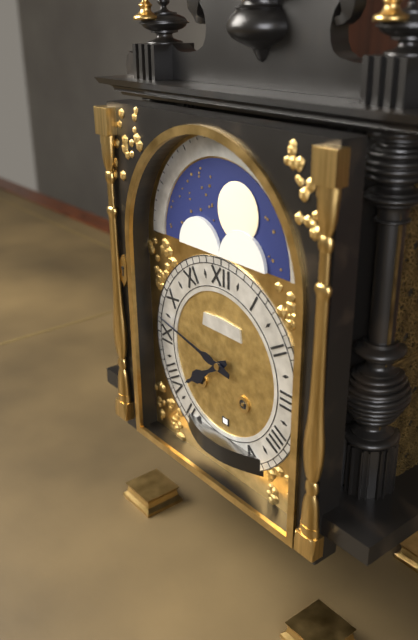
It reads **7:47**
